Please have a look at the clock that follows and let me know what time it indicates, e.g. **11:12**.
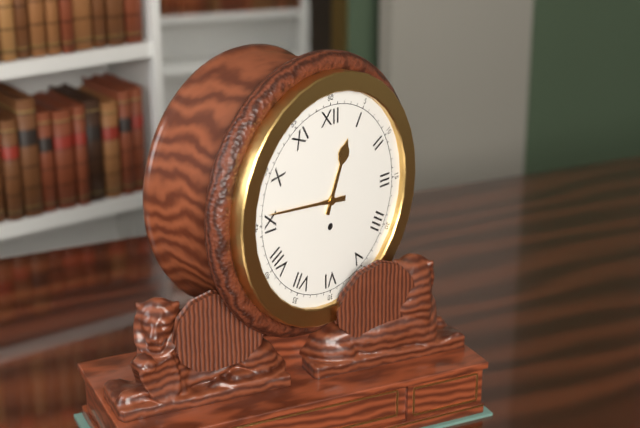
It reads **12:46**
